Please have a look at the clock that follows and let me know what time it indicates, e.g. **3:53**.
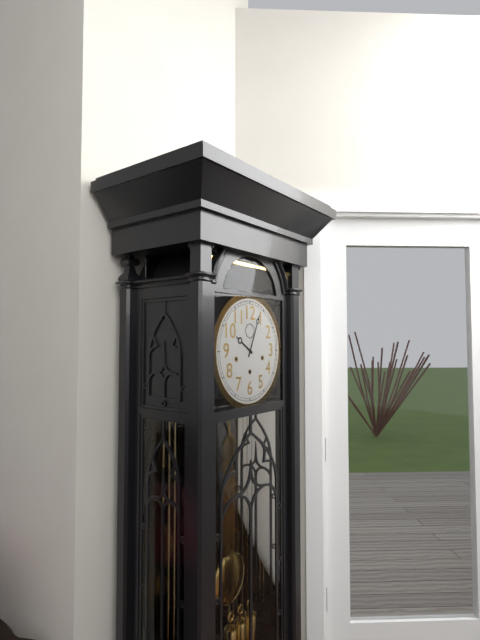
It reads **10:04**
